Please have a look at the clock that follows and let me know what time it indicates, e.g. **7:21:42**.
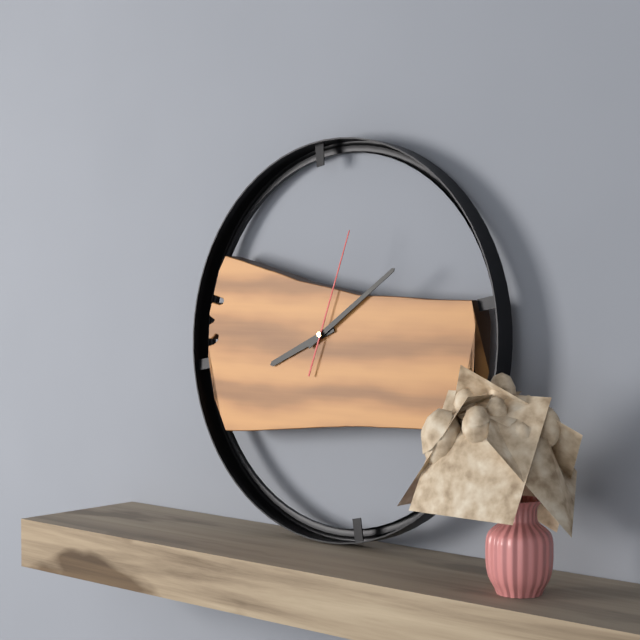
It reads **8:09:03**
